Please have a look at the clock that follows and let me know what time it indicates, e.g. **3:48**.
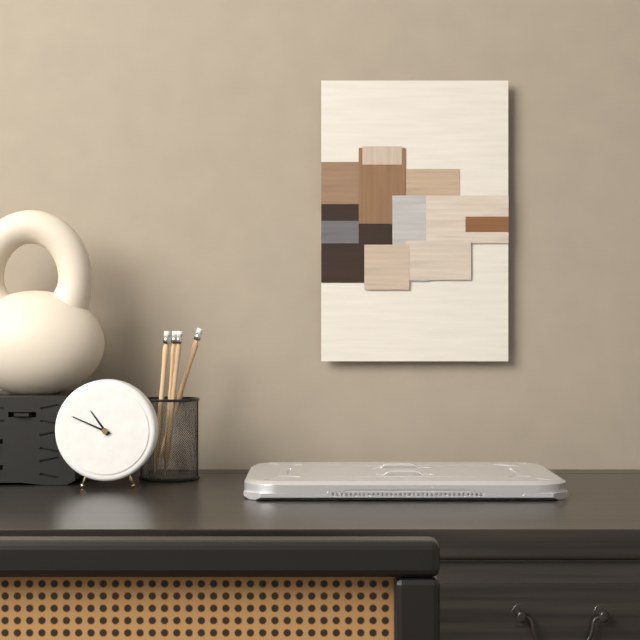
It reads **10:49**
